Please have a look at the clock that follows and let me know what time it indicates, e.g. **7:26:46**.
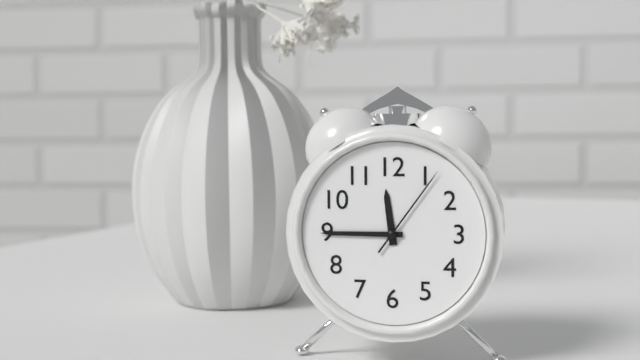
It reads **11:45:06**
